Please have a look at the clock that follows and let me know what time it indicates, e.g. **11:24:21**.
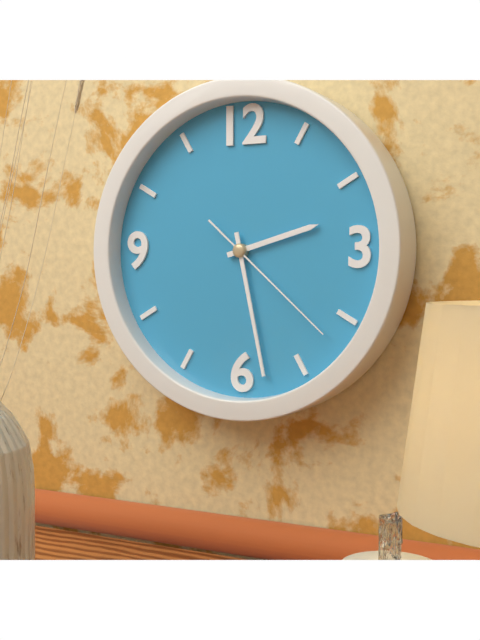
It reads **2:28:22**
